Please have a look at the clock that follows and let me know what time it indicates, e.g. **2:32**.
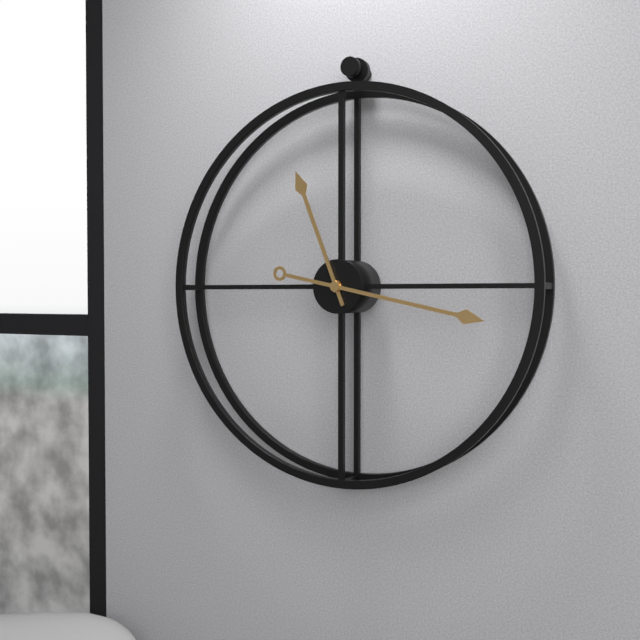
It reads **11:17**
